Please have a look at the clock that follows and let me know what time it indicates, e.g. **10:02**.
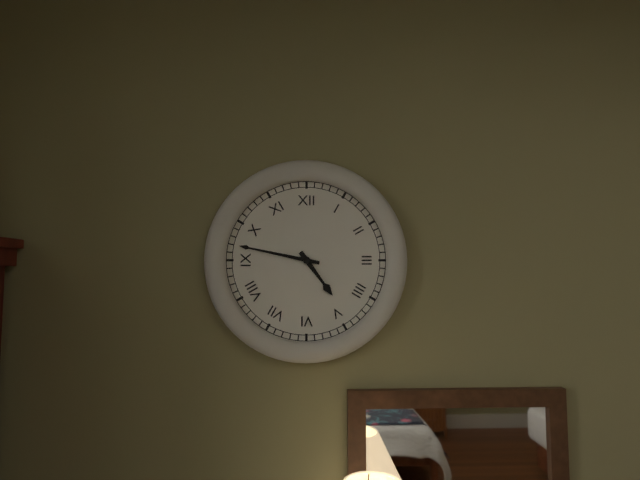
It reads **4:47**
